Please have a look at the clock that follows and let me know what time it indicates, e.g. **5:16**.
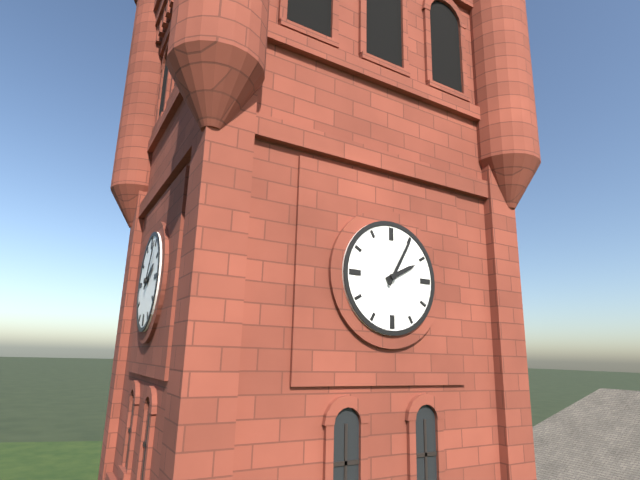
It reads **2:05**
